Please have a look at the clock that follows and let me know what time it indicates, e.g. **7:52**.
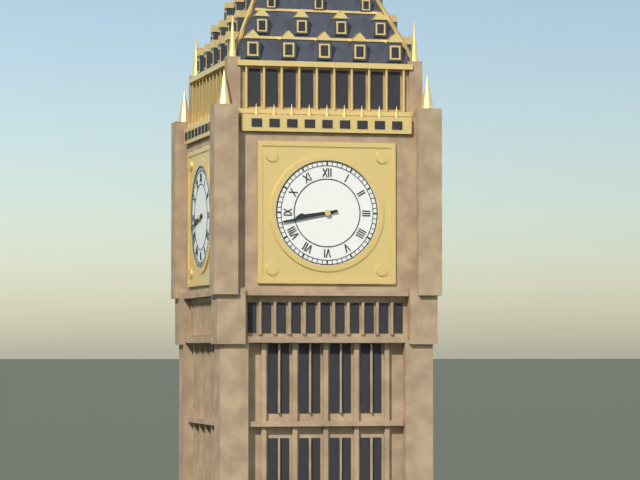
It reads **8:43**
